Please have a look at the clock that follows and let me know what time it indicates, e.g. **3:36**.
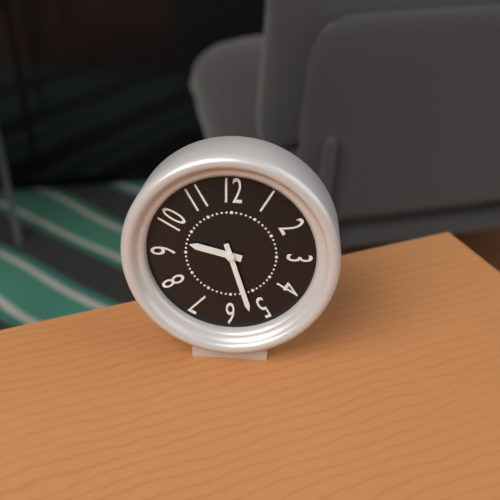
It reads **9:27**
